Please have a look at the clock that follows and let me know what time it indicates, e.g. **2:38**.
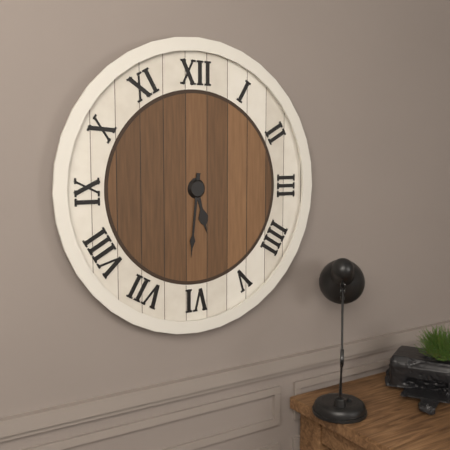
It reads **5:31**
